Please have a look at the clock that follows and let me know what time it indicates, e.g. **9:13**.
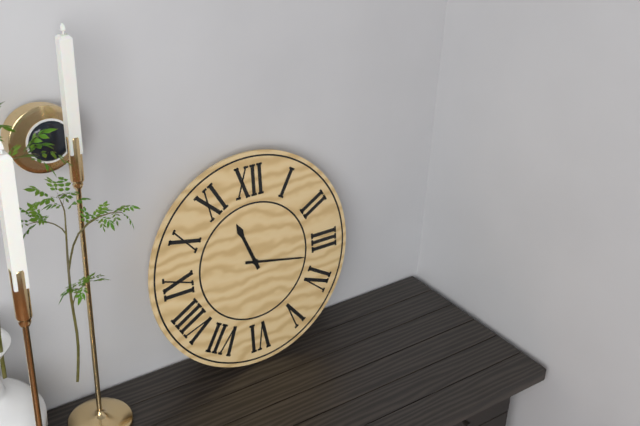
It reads **11:17**
